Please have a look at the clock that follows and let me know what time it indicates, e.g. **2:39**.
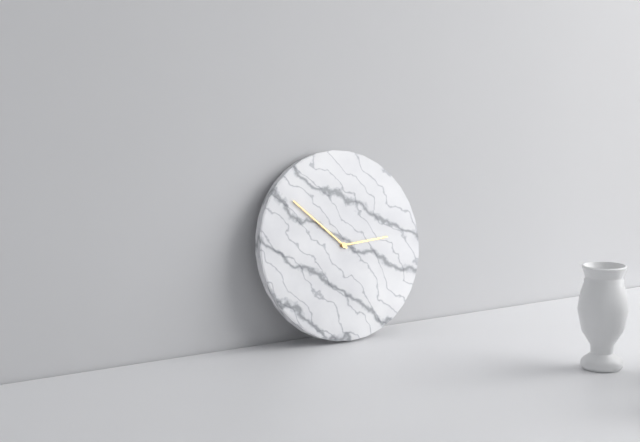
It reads **2:52**
